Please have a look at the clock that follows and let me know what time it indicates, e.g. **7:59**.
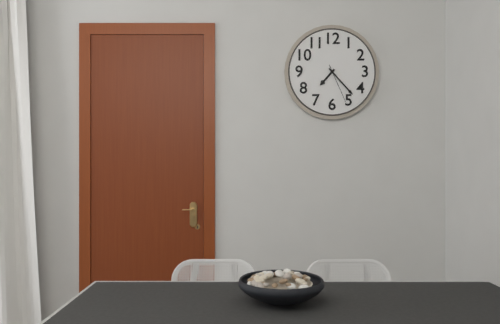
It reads **7:23**
